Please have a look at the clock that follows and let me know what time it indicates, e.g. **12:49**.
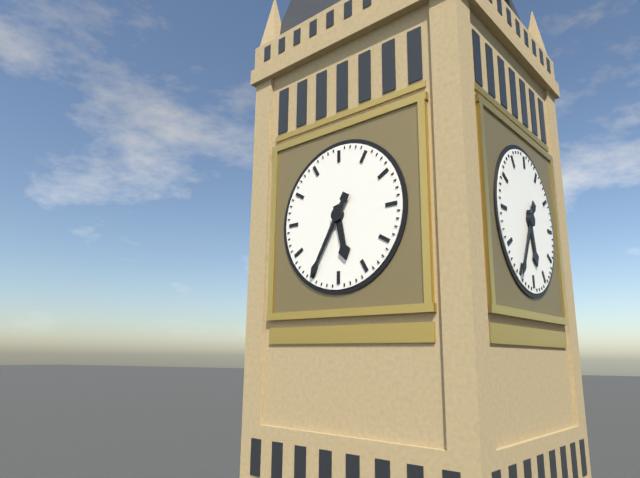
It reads **5:35**
